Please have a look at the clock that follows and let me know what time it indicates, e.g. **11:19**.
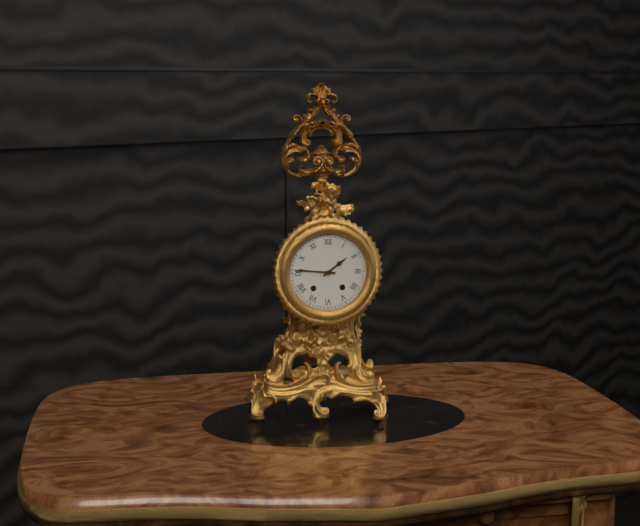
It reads **1:46**
